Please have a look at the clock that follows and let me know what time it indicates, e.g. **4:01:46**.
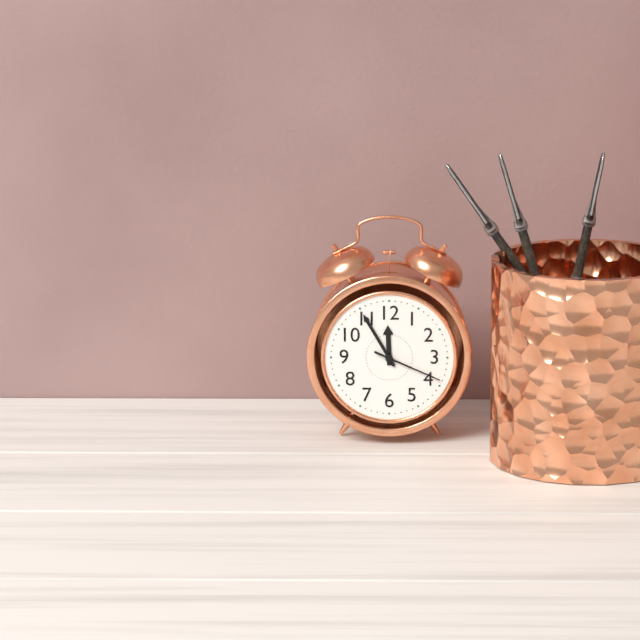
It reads **11:55:19**
